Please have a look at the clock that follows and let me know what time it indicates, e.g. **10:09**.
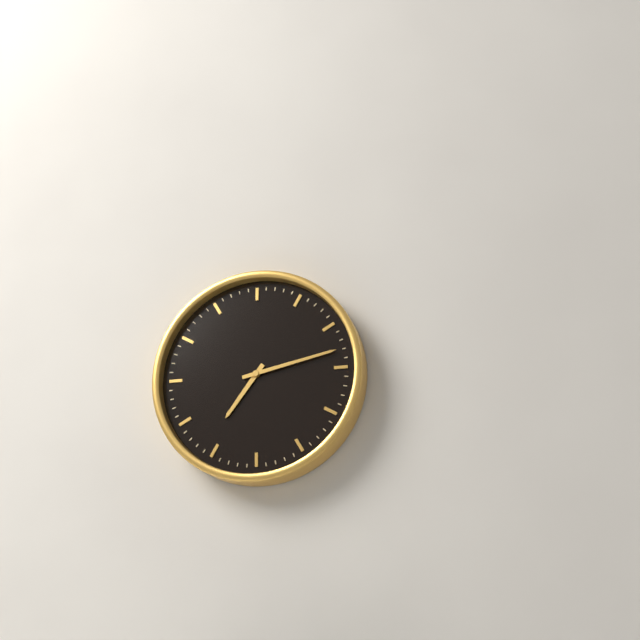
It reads **7:13**
